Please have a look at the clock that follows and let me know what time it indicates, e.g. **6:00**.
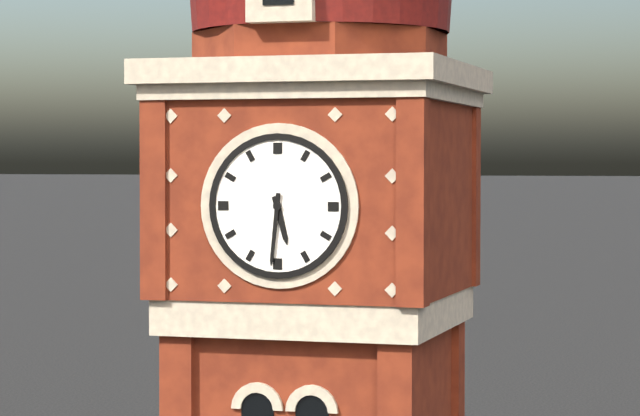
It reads **5:31**
